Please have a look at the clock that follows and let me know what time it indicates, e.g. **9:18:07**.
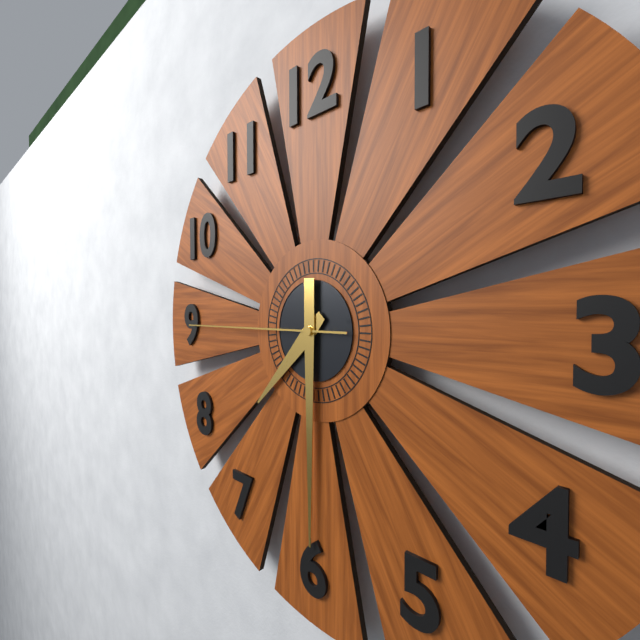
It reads **7:30:45**
